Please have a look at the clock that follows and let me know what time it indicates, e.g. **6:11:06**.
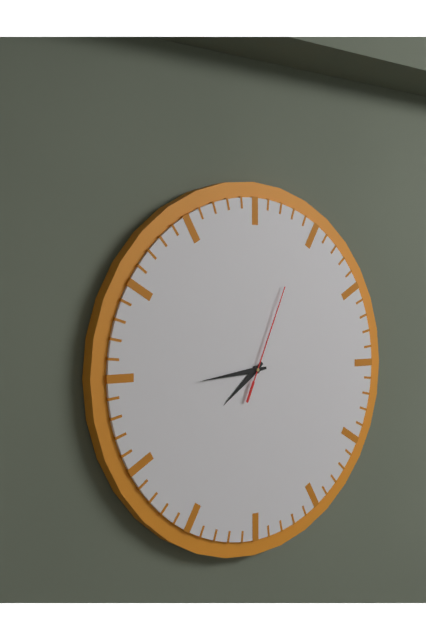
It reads **7:44:04**
